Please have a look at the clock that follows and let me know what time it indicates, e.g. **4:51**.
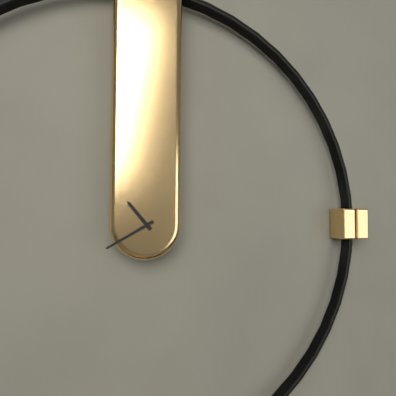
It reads **10:40**
